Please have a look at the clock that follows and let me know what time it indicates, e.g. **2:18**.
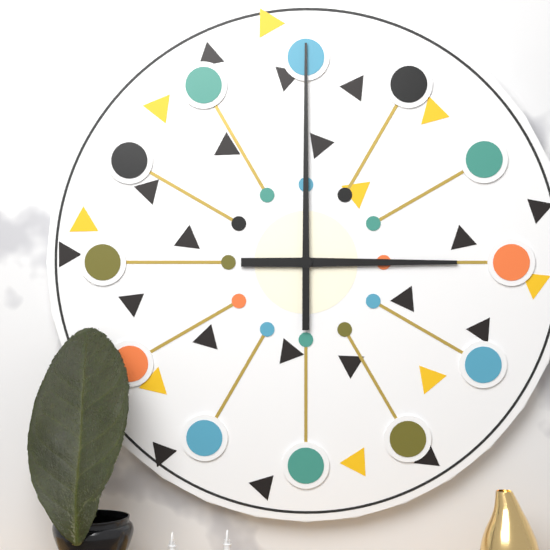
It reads **3:00**
